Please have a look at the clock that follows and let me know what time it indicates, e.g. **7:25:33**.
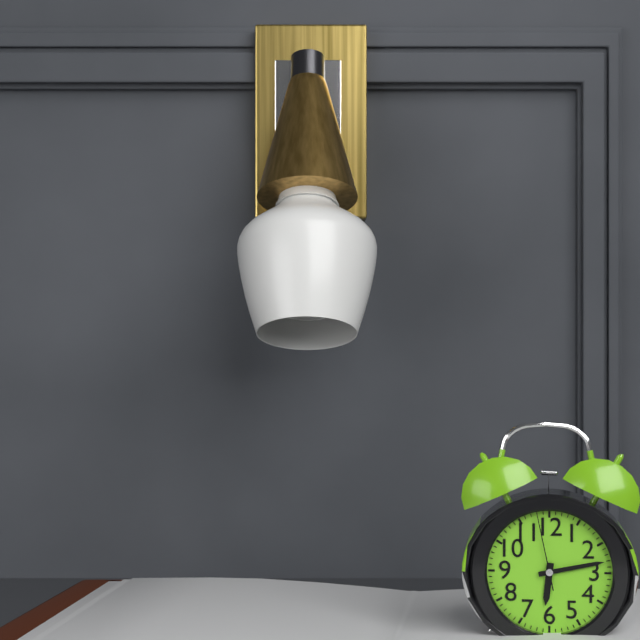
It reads **6:13:58**
